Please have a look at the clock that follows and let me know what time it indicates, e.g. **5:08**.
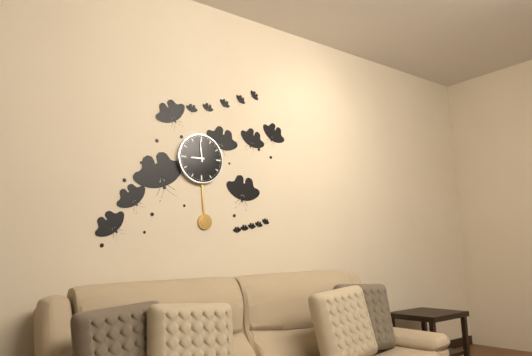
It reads **8:59**
